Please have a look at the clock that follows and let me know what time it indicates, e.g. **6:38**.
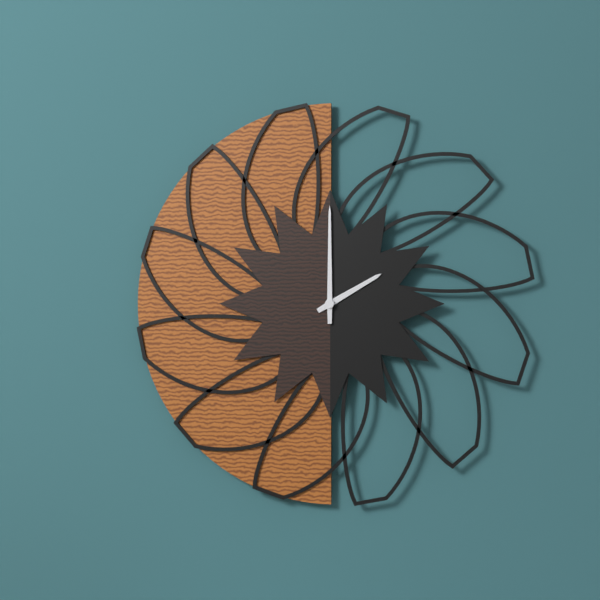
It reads **2:00**
